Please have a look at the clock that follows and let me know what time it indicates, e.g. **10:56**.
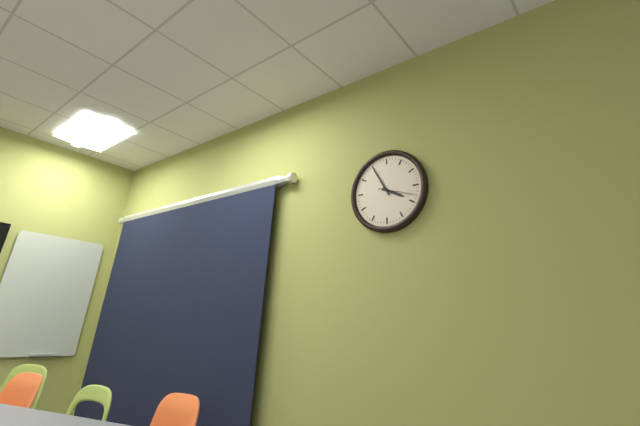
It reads **3:55**
